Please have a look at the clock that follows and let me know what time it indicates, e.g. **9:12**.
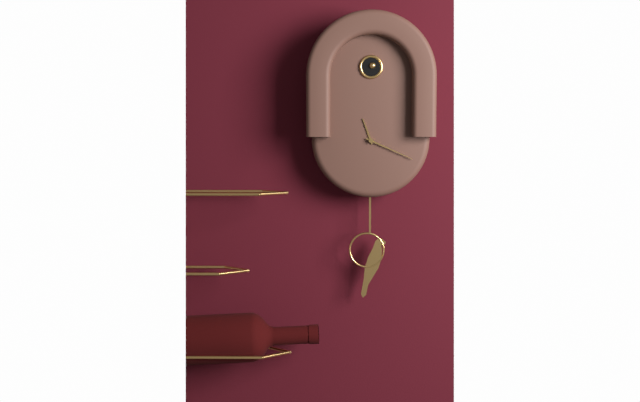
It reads **11:19**
